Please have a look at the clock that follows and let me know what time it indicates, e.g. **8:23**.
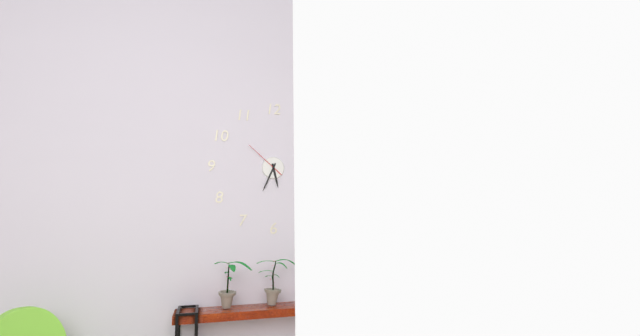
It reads **5:34**
